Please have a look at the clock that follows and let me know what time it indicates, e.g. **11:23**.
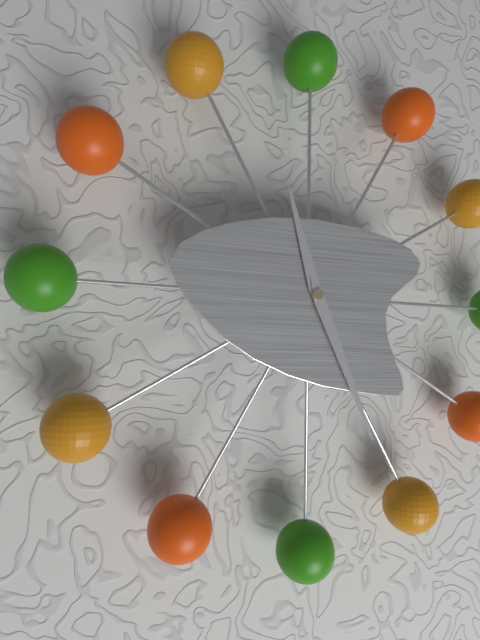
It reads **11:26**
